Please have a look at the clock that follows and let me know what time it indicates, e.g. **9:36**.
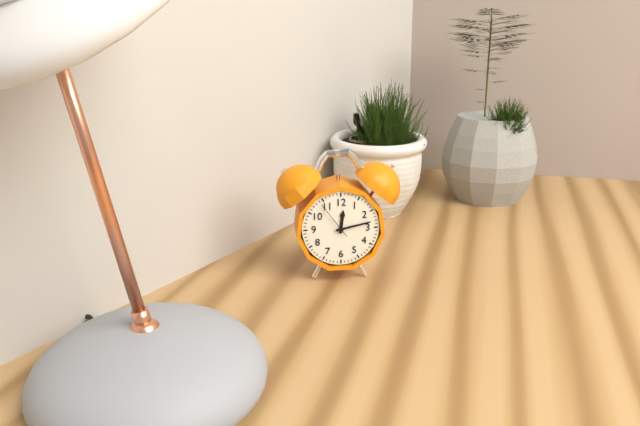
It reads **12:13**
